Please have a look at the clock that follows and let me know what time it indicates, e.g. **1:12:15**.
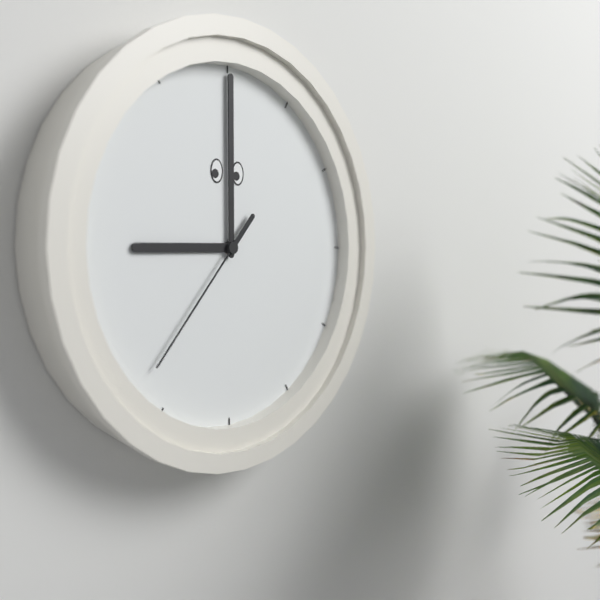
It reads **9:00:37**
